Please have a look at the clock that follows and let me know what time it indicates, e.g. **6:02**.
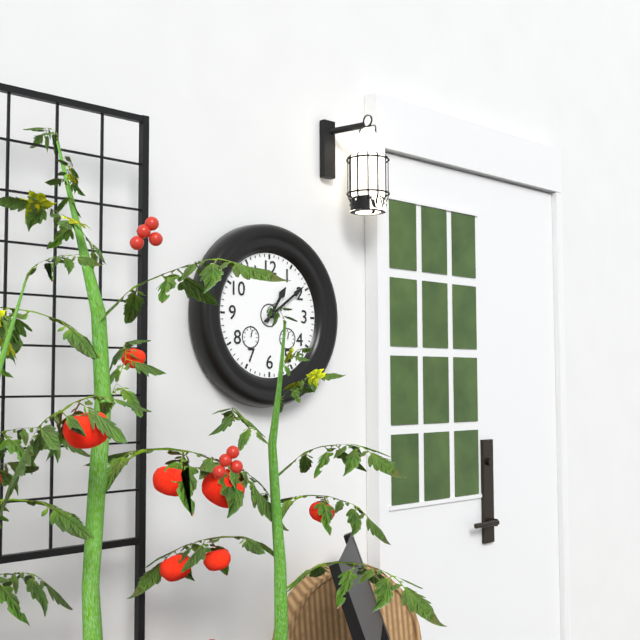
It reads **1:09**
